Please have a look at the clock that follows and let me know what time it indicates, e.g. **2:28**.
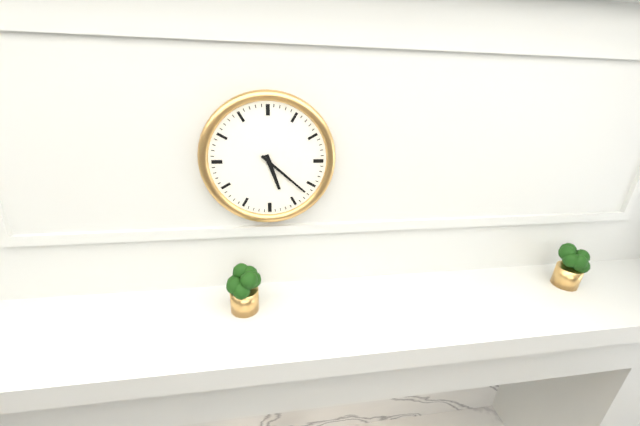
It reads **5:22**
